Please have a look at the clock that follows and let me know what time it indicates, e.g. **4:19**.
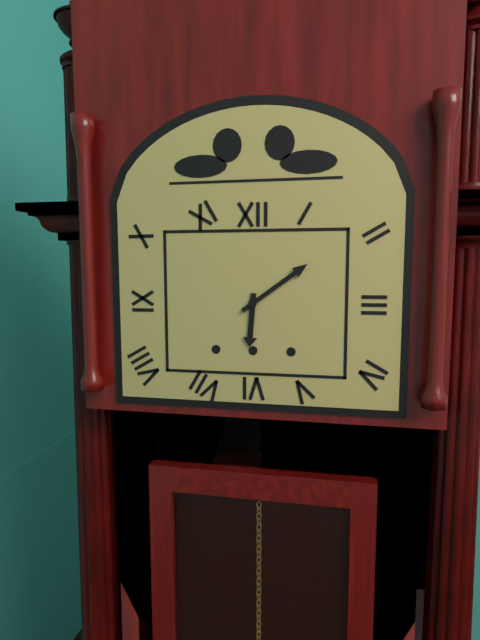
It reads **6:09**
